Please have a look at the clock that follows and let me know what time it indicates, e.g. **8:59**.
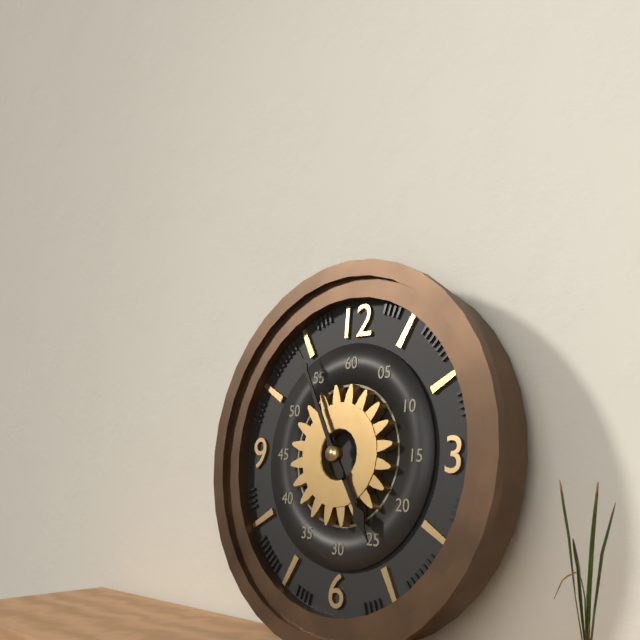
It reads **4:55**
